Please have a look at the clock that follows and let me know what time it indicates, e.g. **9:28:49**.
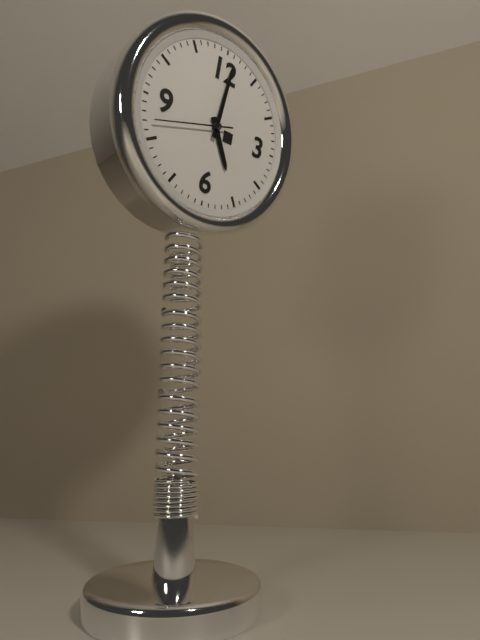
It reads **5:01:42**
